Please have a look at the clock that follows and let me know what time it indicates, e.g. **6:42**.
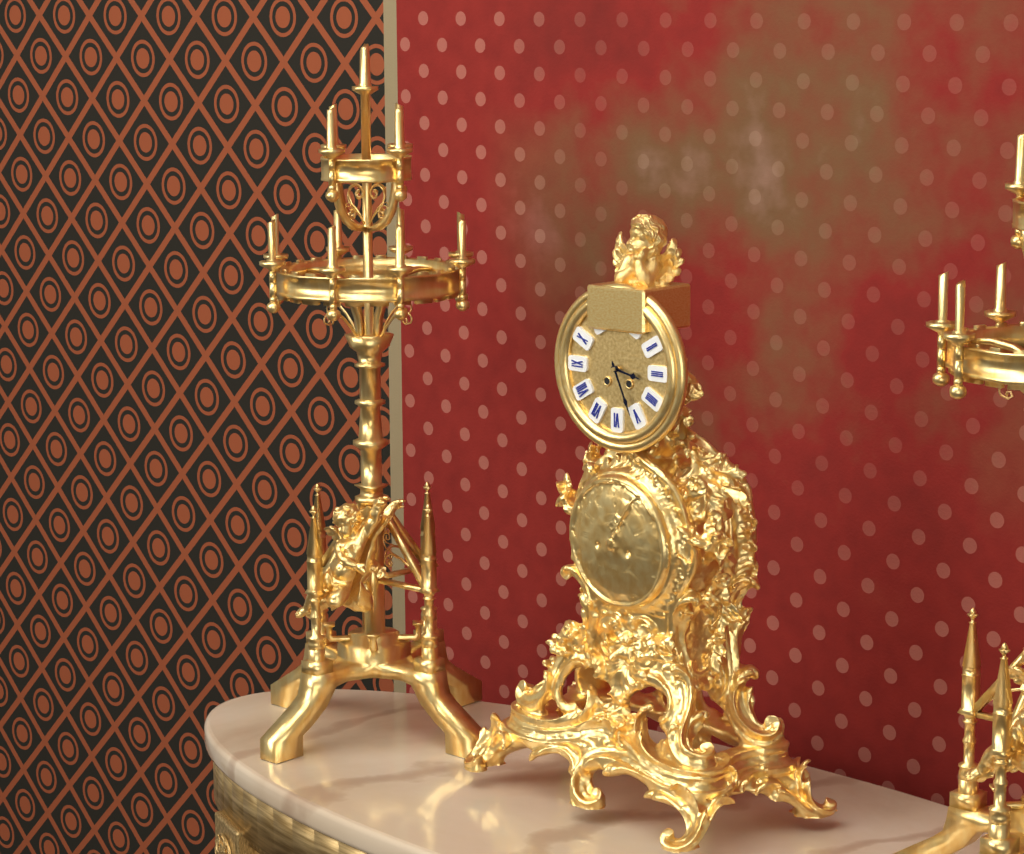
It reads **3:26**
